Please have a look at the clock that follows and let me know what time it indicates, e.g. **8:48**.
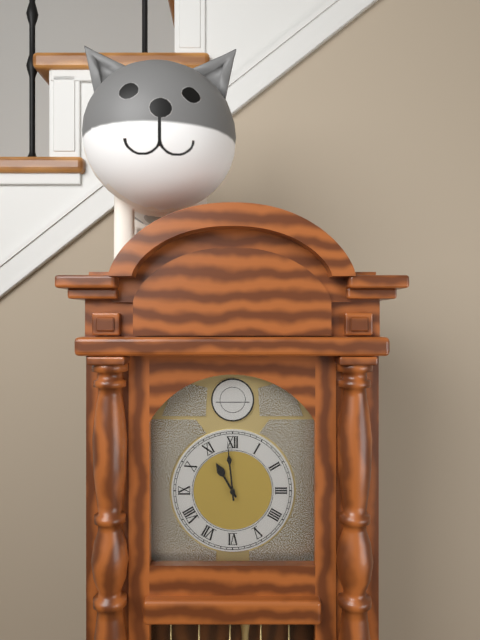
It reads **10:59**
